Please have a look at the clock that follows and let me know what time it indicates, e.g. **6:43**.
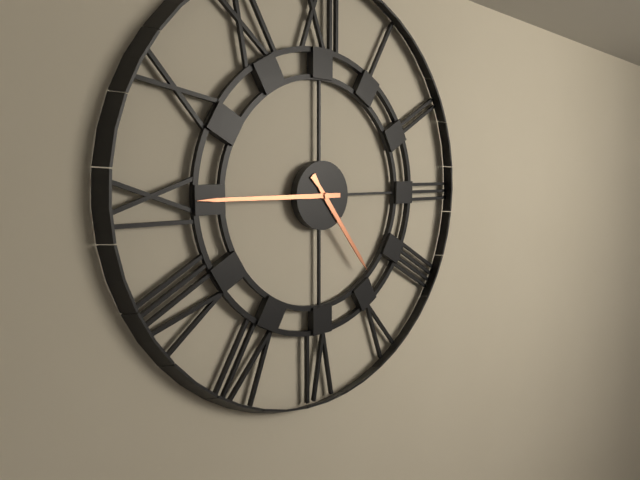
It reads **4:45**
